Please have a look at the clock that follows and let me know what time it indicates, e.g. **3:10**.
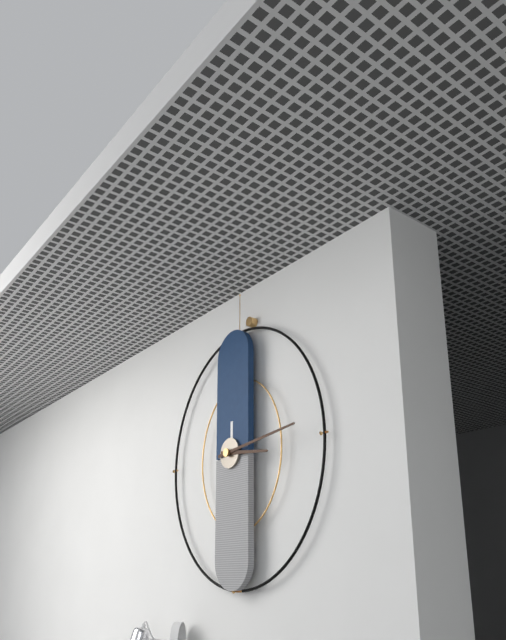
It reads **3:14**
